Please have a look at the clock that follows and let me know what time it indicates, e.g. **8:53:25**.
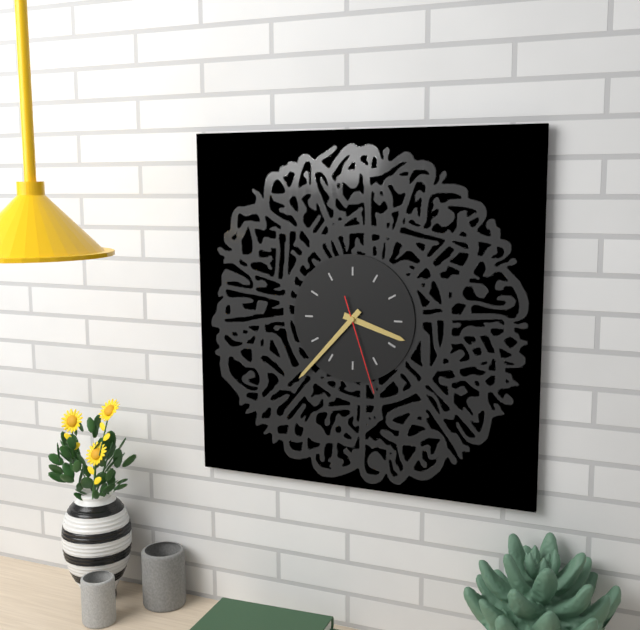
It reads **3:37:27**
